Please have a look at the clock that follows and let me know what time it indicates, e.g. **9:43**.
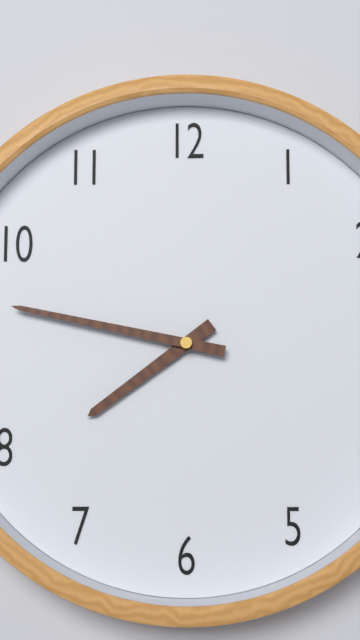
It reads **7:47**
